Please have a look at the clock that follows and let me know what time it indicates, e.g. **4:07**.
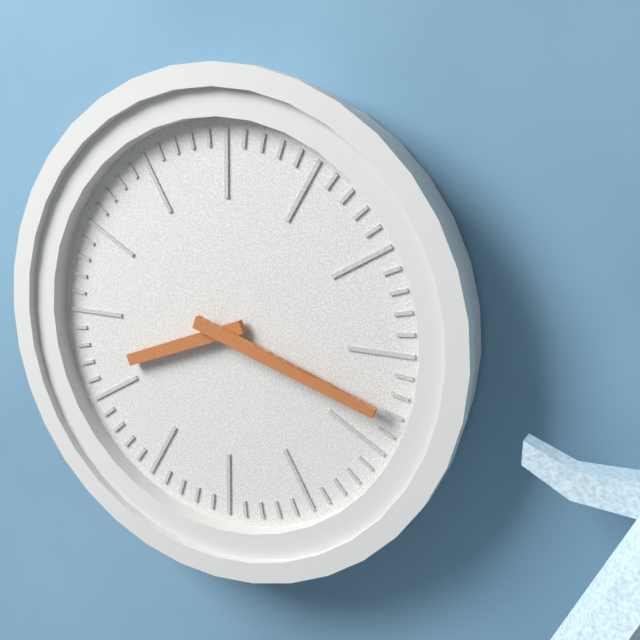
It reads **8:18**
